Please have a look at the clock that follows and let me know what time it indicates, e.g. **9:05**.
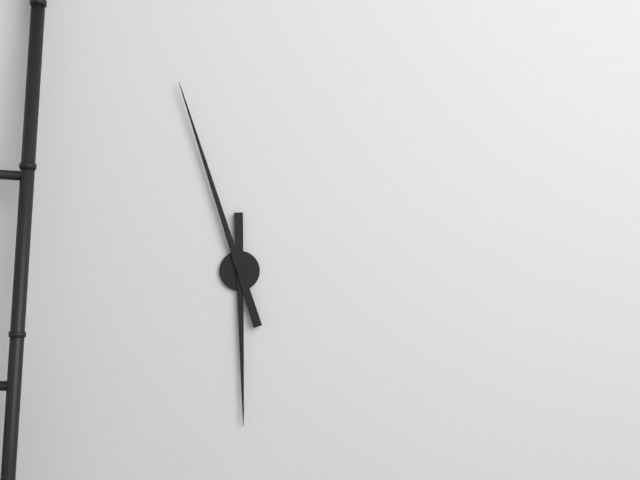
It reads **5:57**
